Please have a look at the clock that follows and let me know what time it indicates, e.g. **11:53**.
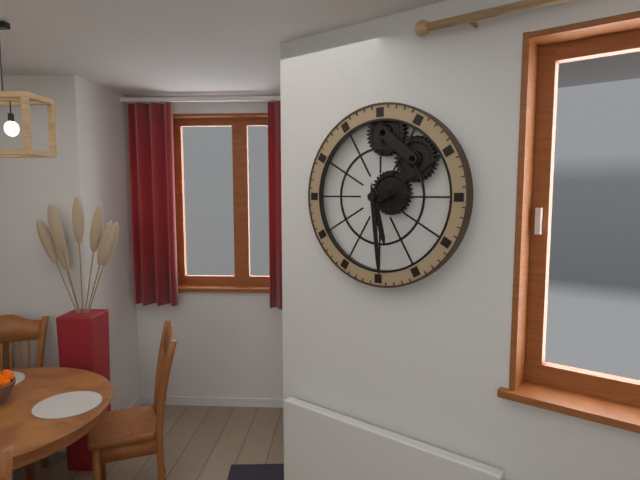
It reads **5:29**
